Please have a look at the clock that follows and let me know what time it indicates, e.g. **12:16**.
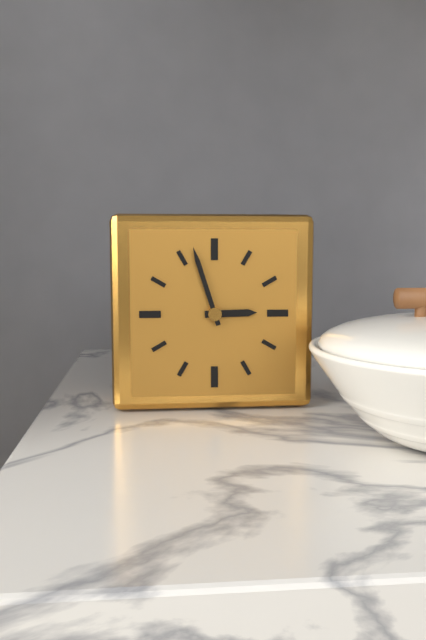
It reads **2:57**
